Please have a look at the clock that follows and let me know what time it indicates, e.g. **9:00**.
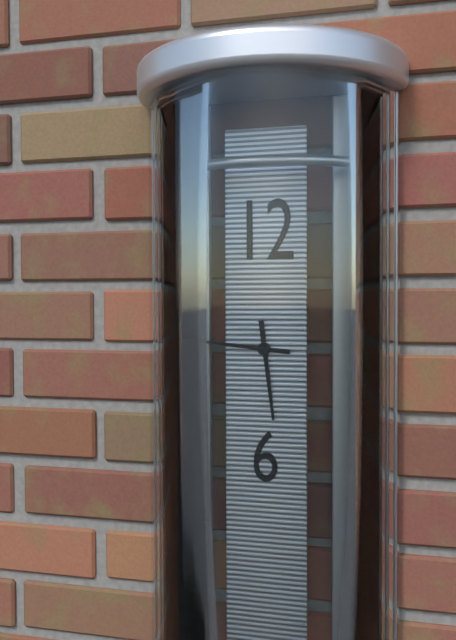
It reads **5:46**
